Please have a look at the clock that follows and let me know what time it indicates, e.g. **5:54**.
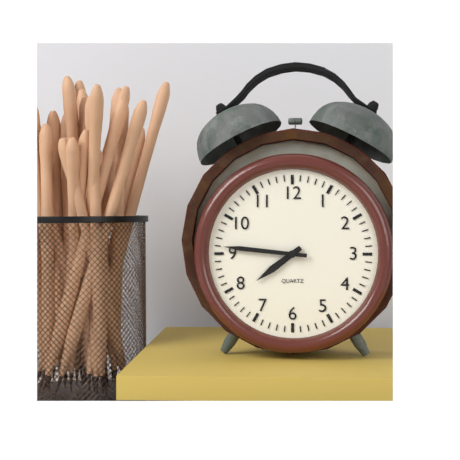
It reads **7:46**
